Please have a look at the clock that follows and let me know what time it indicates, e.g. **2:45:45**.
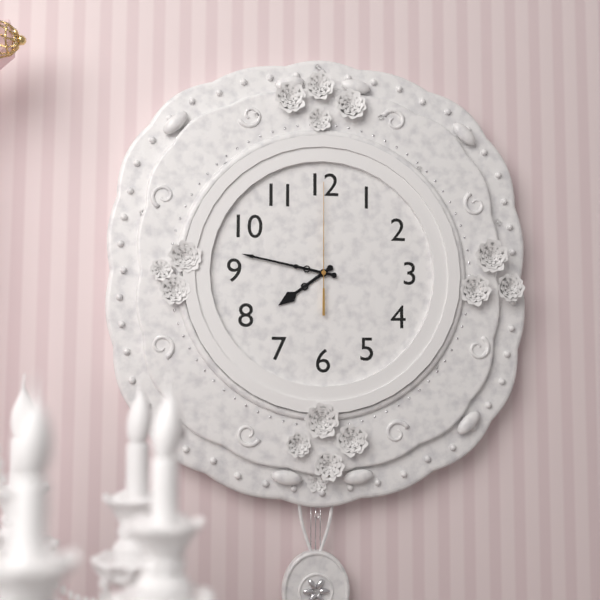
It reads **7:47:00**
